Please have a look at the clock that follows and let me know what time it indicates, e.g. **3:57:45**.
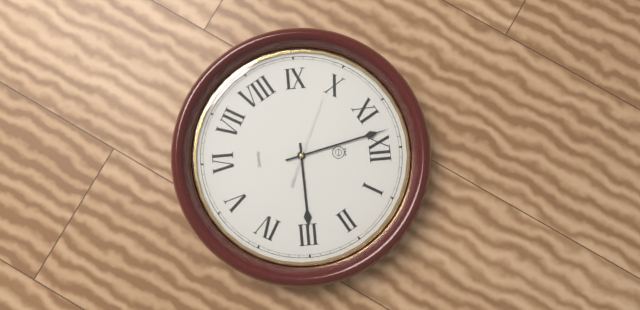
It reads **2:58:49**
